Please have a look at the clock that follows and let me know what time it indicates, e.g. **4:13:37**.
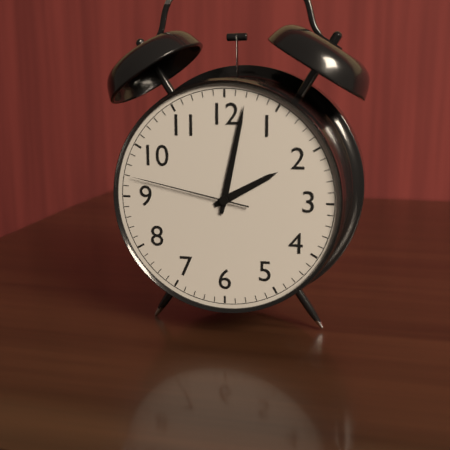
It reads **2:02:47**
